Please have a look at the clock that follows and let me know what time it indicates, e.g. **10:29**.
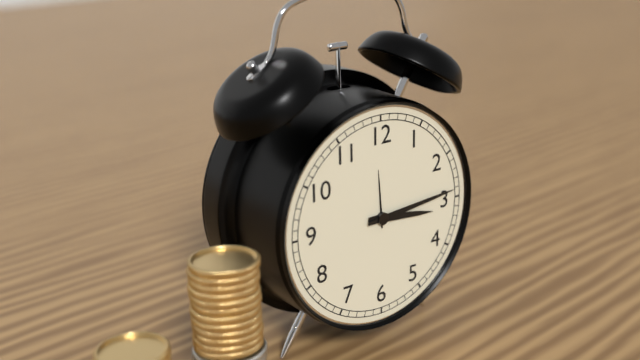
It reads **3:14**
